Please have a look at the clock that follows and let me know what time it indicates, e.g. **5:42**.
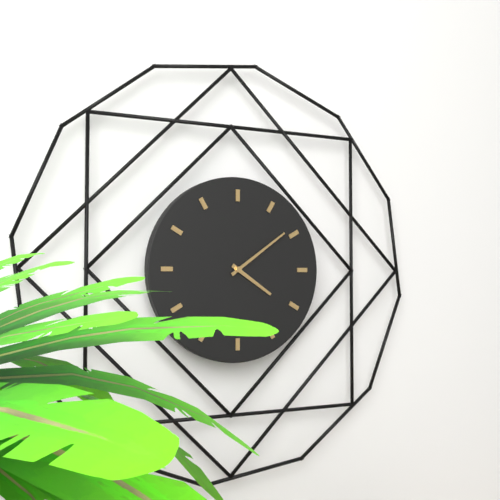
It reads **4:09**
